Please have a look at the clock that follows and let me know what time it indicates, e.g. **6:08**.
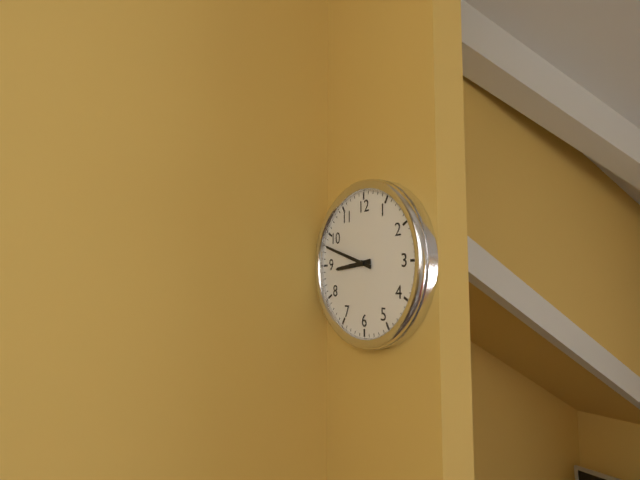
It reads **8:48**
